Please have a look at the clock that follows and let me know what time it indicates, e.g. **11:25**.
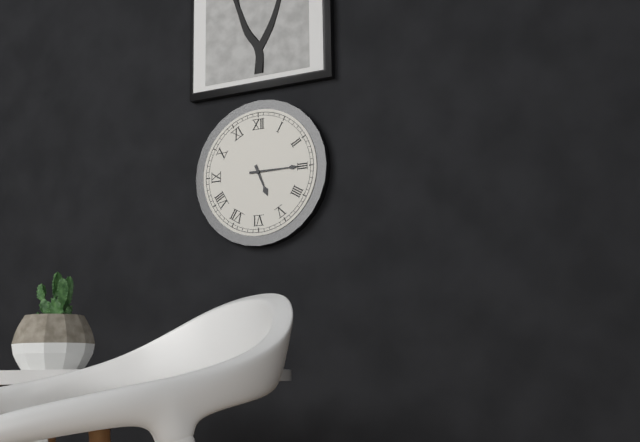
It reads **5:15**
